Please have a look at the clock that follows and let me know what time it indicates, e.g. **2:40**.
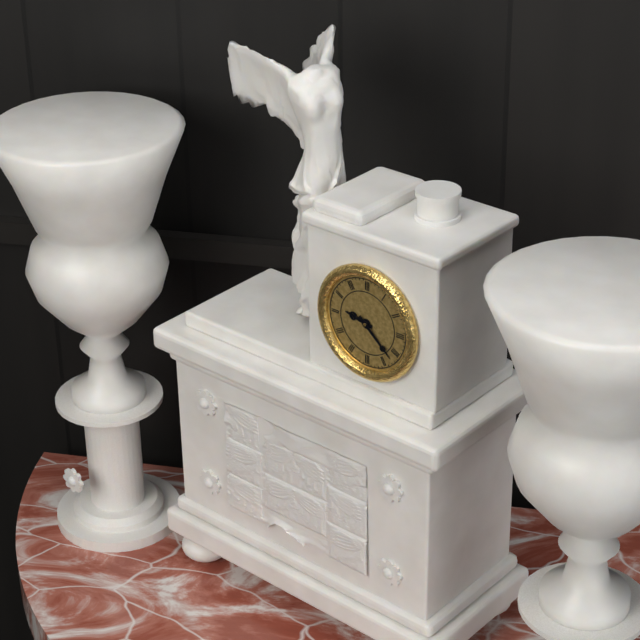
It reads **9:22**
